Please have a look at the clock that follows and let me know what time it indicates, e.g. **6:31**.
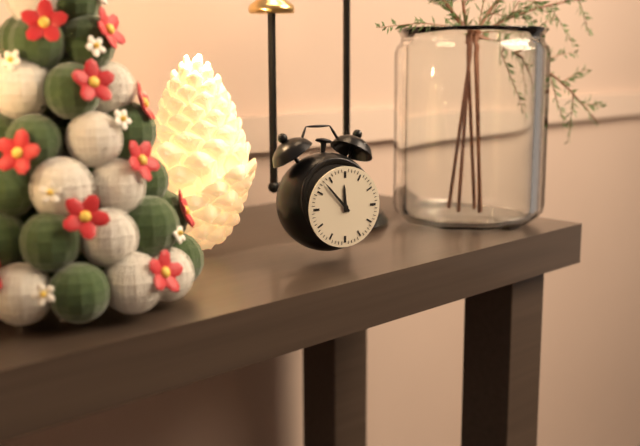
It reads **11:53**
